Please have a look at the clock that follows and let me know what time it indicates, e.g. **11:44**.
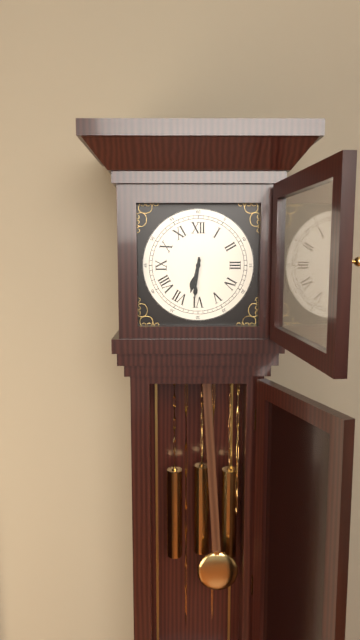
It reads **6:31**
